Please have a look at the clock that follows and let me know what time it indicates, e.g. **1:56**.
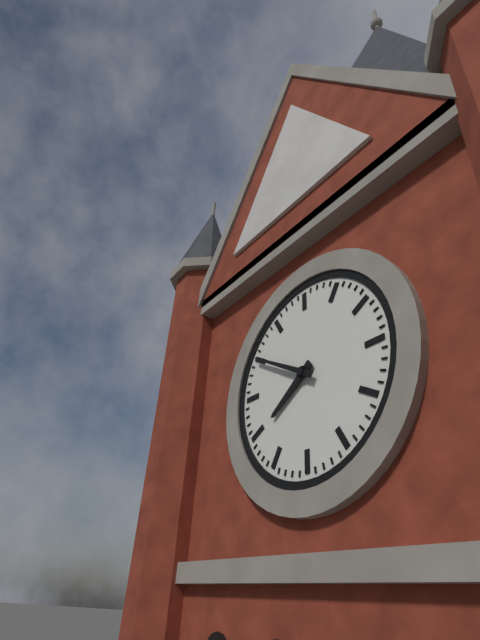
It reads **7:50**
